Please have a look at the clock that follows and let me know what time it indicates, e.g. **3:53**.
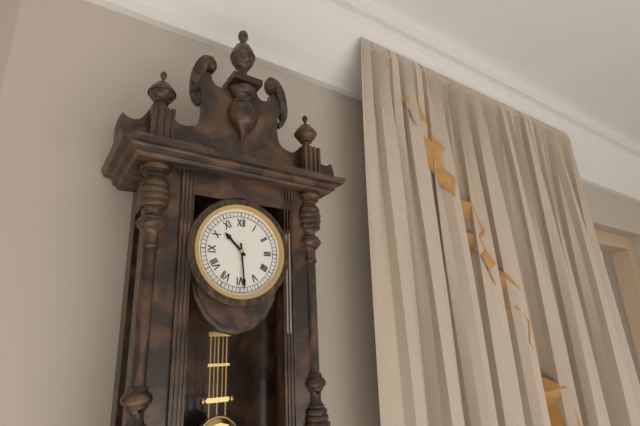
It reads **10:29**
